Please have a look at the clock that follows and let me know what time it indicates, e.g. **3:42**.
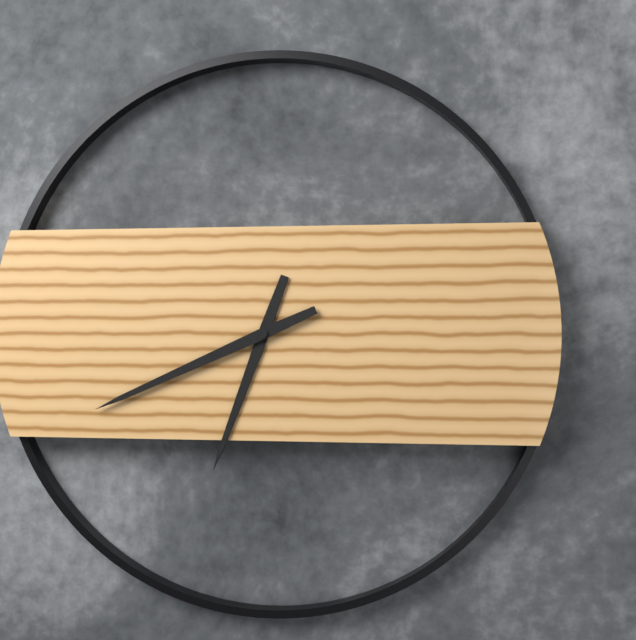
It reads **6:41**
